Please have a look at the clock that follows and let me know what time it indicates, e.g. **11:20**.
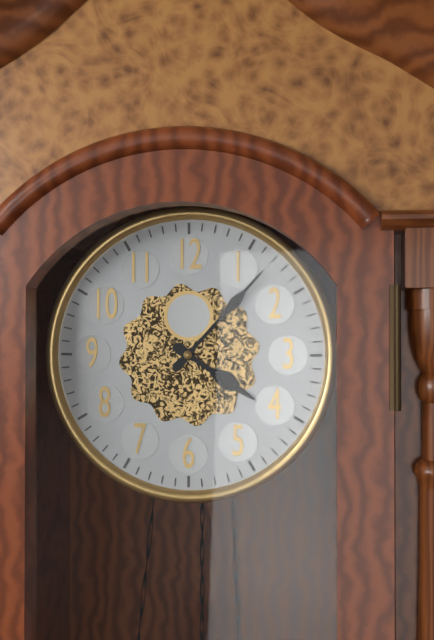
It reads **4:07**
